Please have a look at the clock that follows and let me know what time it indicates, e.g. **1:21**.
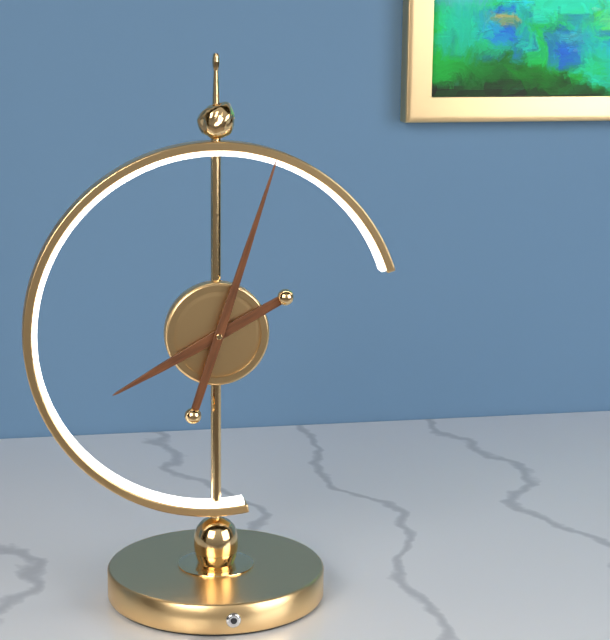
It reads **8:03**
